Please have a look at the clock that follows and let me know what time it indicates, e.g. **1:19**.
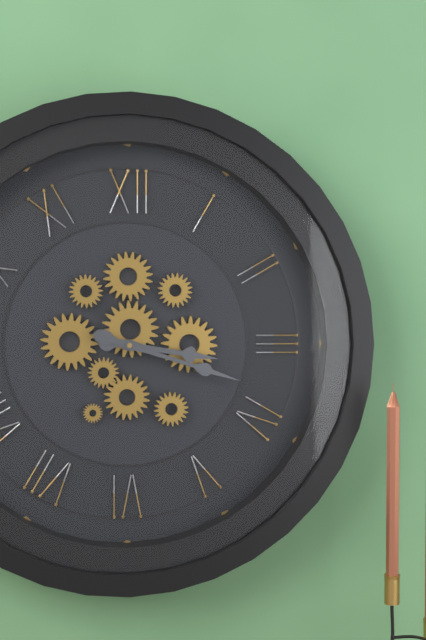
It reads **3:18**
